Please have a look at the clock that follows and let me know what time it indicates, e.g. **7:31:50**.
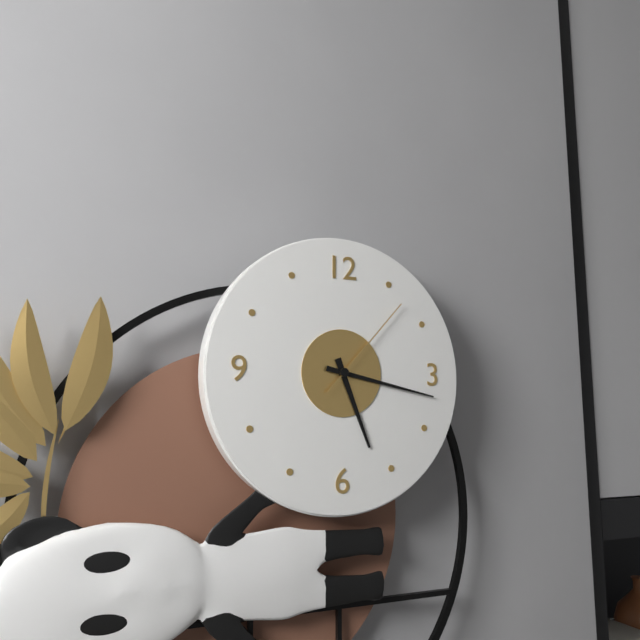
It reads **5:17:07**
